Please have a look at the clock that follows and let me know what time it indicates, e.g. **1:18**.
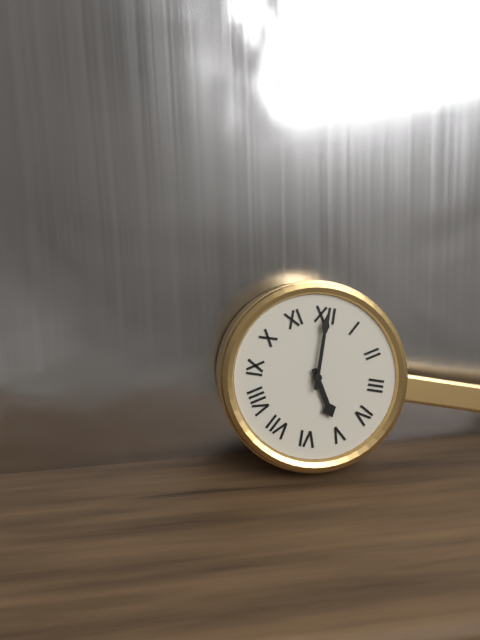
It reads **5:00**
